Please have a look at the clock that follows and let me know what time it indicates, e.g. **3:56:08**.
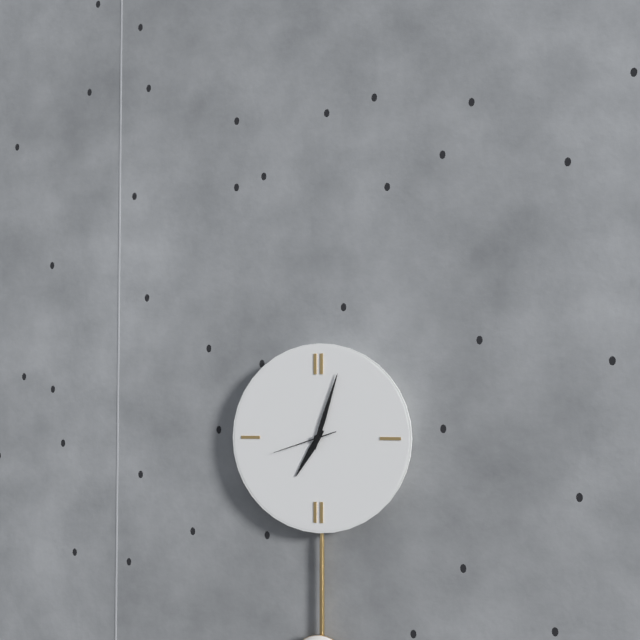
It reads **7:03:42**
